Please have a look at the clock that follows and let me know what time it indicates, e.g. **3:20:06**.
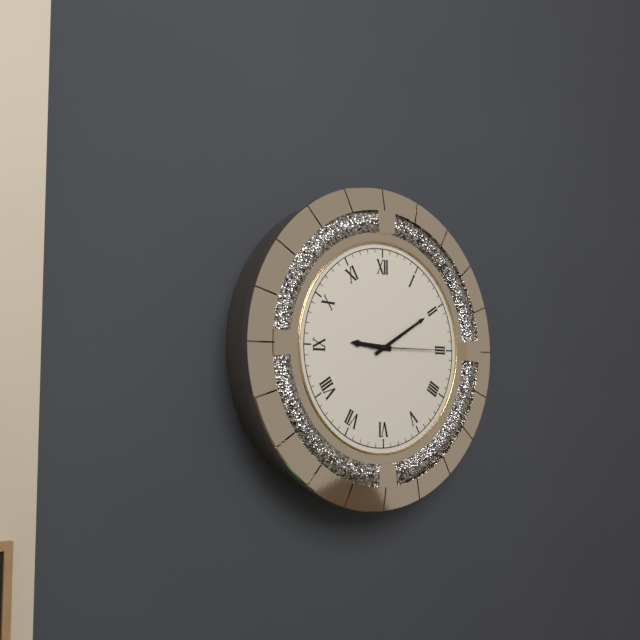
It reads **9:10:15**
